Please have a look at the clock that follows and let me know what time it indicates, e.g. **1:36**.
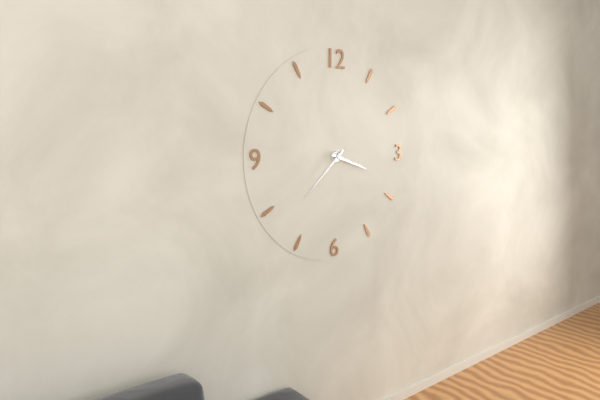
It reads **3:38**
